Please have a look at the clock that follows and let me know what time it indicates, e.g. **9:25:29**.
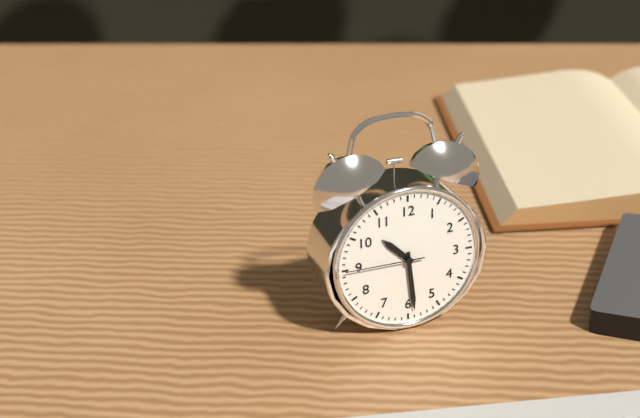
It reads **10:29:45**
